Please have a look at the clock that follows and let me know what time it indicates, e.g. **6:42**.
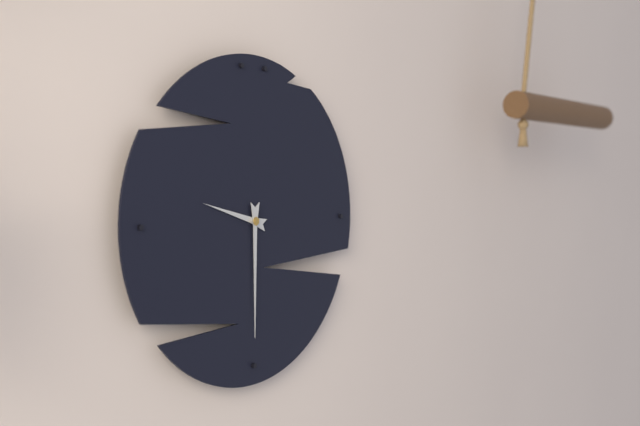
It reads **9:30**
